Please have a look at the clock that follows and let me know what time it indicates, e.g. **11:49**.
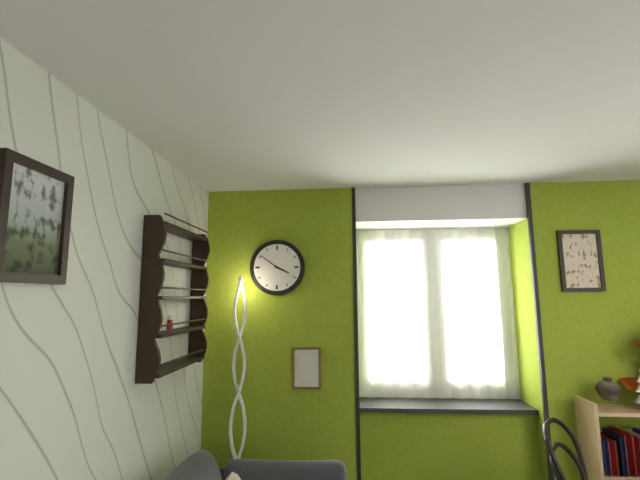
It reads **3:51**
